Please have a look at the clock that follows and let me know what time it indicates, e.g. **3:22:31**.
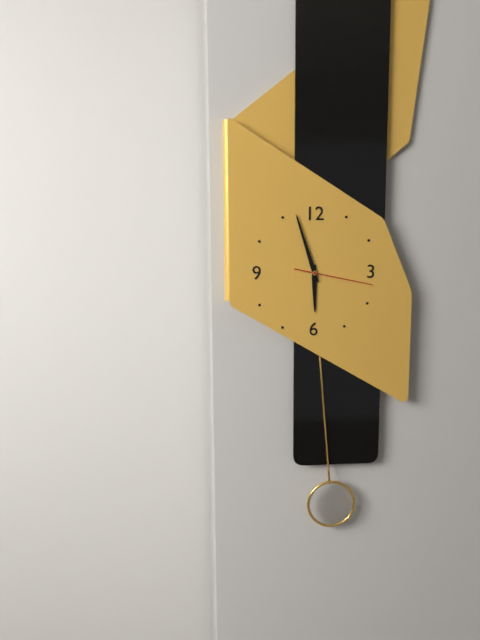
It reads **5:57:17**
